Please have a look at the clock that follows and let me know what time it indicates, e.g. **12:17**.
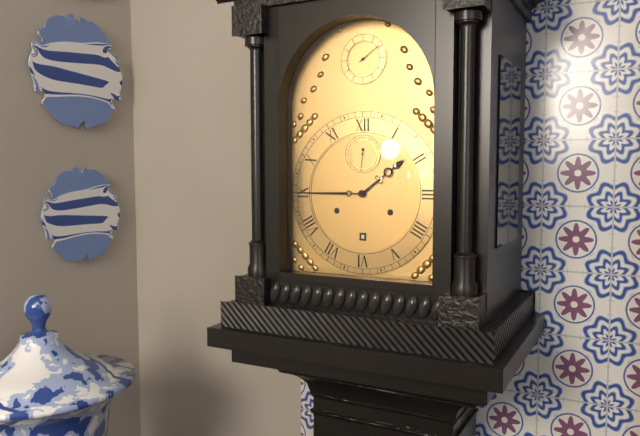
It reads **1:45**
